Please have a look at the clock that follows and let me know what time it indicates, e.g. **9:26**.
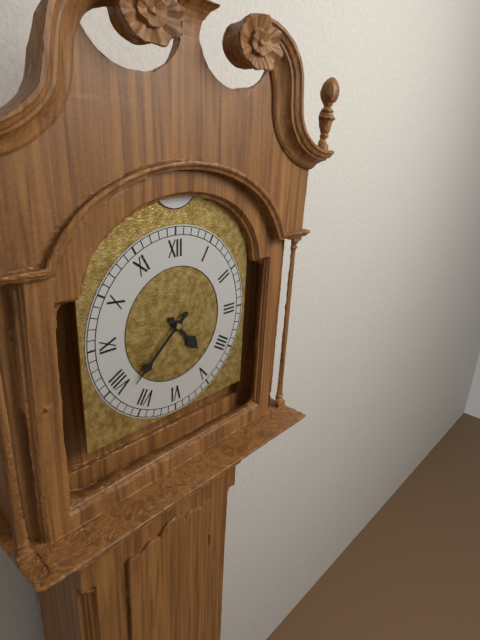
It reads **4:38**
